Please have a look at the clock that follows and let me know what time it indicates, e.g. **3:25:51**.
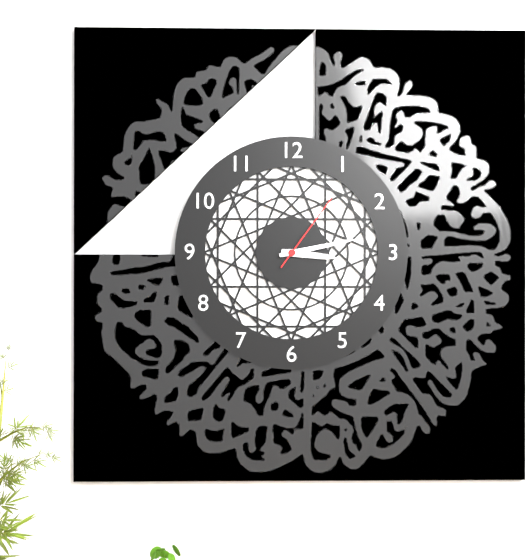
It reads **3:13:06**
